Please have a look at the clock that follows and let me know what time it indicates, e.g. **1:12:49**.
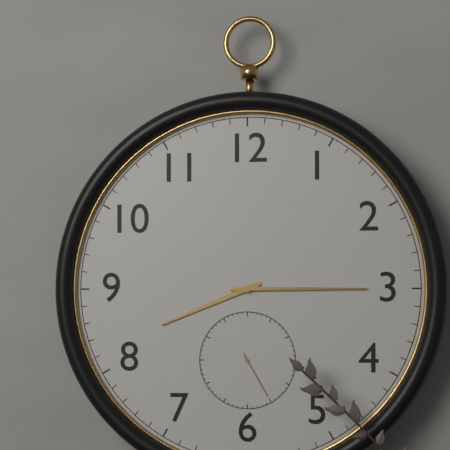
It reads **8:15:25**
